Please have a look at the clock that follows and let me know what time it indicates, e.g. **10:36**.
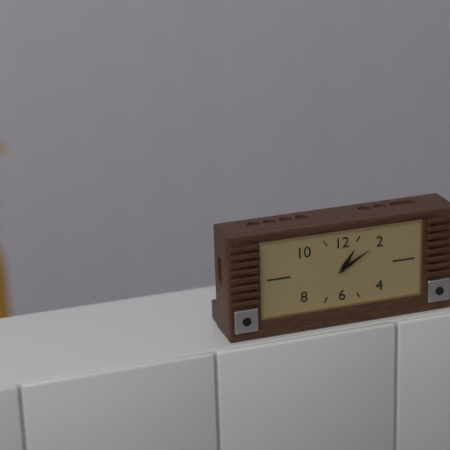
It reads **1:10**
